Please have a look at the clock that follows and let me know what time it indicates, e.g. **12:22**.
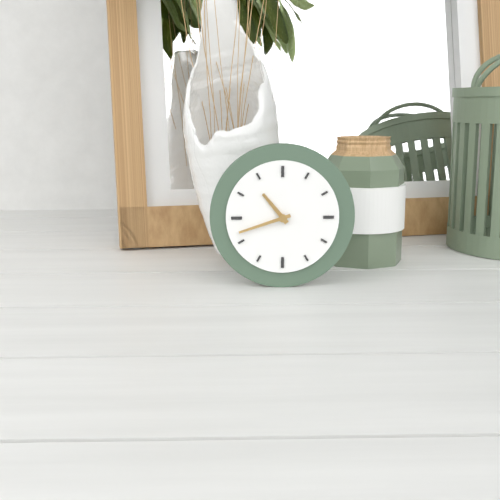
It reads **10:42**
